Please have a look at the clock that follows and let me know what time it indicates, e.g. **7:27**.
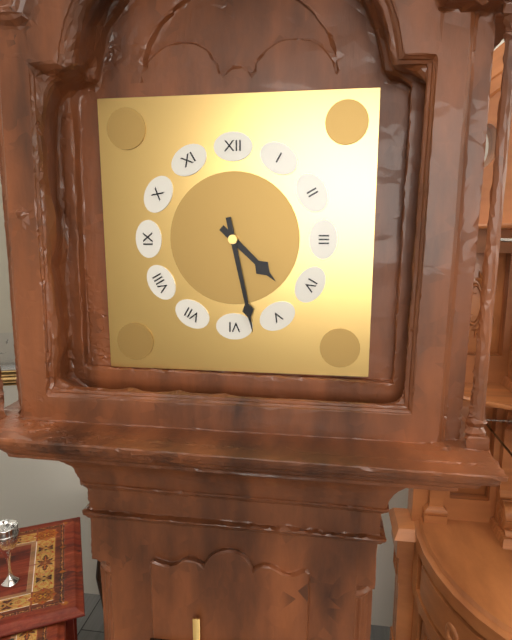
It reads **4:28**
